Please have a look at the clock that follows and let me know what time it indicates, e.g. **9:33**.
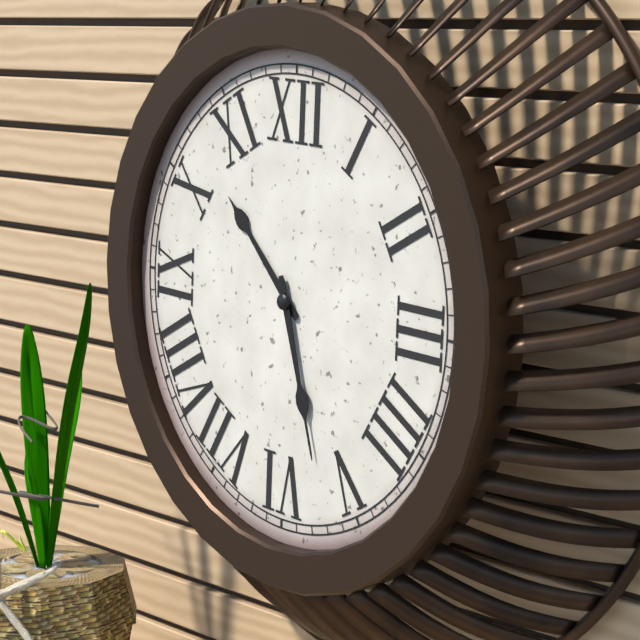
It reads **10:27**
